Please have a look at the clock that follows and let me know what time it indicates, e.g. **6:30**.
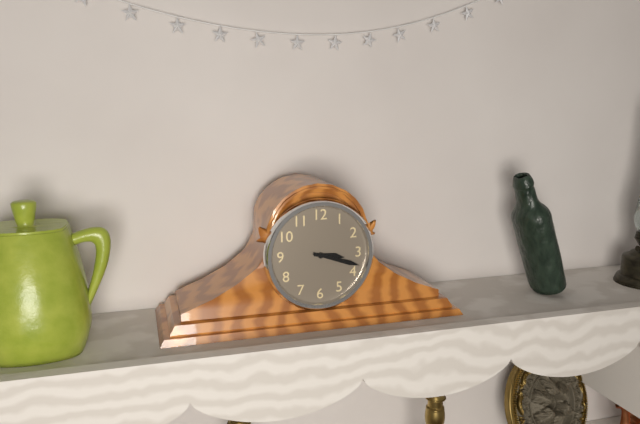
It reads **3:18**
